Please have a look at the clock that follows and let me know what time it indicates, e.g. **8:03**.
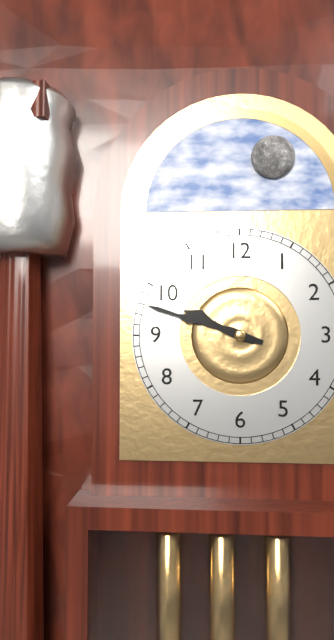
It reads **9:48**
